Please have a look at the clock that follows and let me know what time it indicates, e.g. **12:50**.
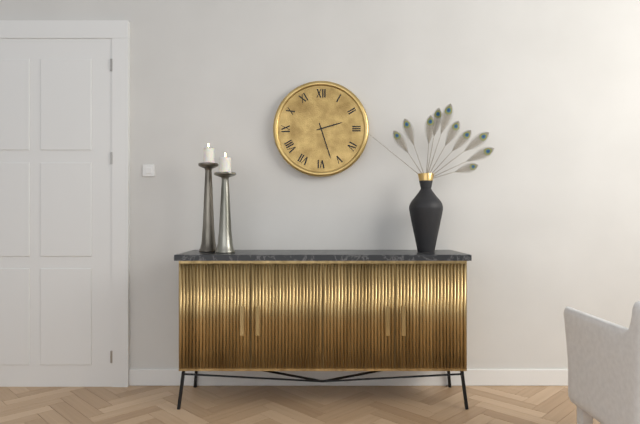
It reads **2:27**
